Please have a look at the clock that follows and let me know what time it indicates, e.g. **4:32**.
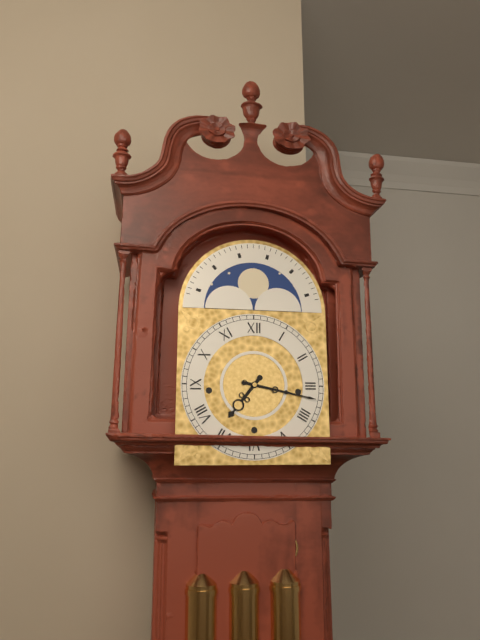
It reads **7:17**
